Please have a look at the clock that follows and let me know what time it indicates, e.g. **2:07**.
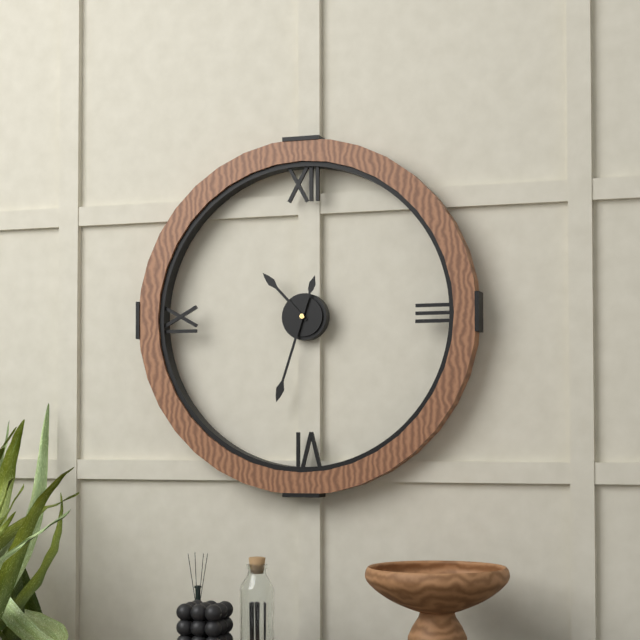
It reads **10:33**
